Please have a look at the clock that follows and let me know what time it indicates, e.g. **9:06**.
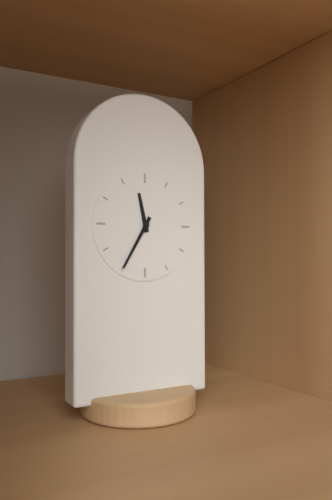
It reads **11:35**
